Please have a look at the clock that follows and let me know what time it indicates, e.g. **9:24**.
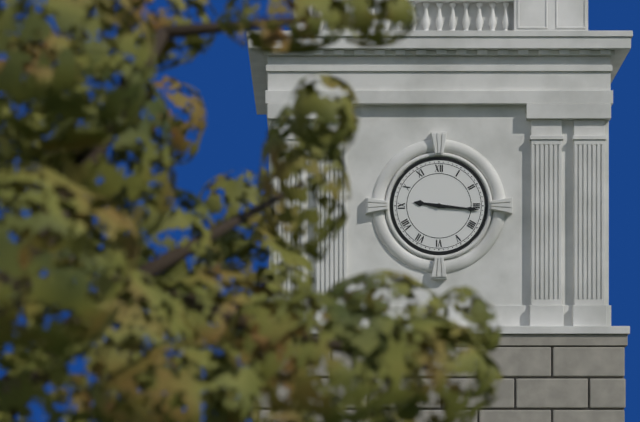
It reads **9:16**
